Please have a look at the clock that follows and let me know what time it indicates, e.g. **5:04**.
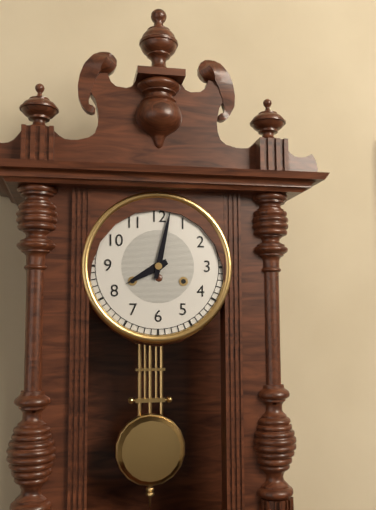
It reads **8:02**
